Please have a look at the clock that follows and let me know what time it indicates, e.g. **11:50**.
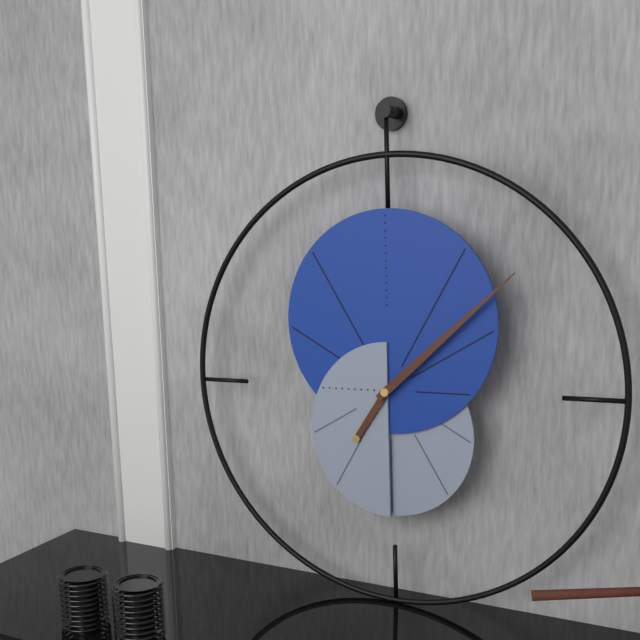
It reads **7:08**
